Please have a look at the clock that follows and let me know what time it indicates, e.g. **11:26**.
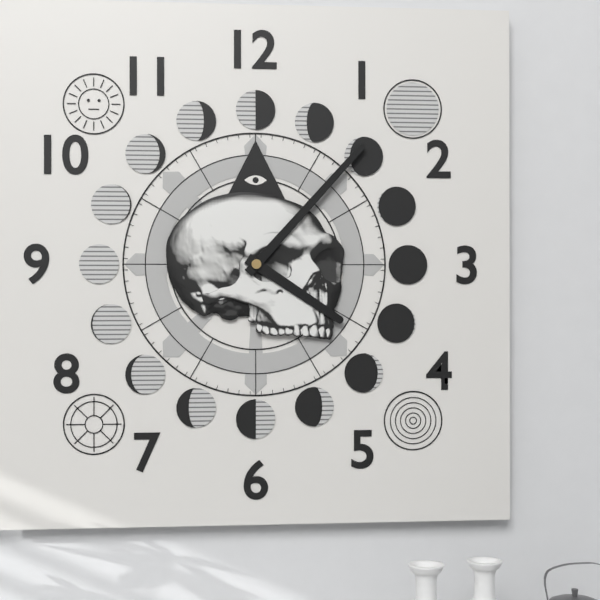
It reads **4:07**
